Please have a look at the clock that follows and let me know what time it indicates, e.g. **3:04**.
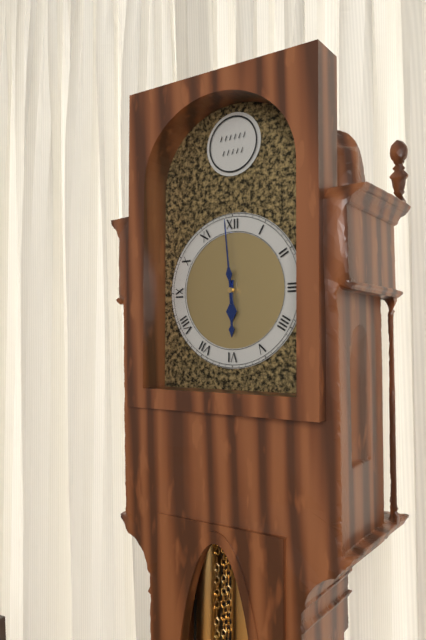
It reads **5:59**
